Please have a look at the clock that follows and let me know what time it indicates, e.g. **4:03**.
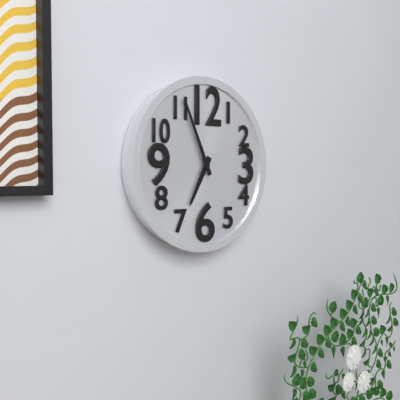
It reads **6:56**
